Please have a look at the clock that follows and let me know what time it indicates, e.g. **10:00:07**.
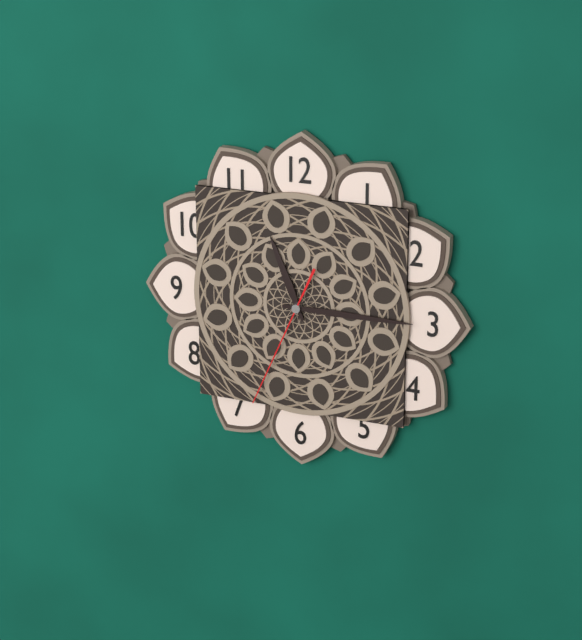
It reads **11:15:34**
